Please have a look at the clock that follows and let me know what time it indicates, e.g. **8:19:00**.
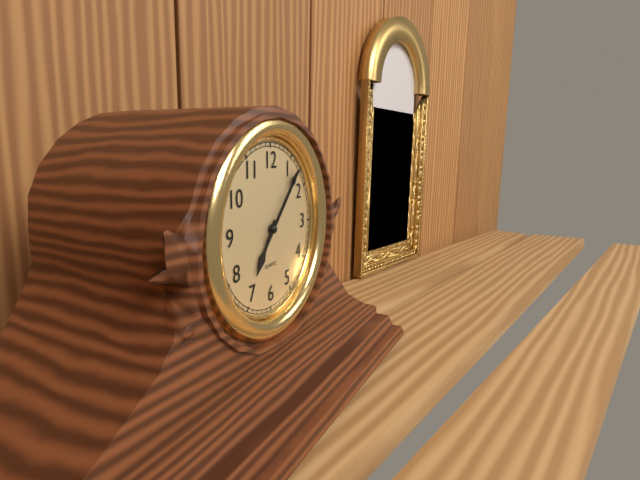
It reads **7:07:07**
